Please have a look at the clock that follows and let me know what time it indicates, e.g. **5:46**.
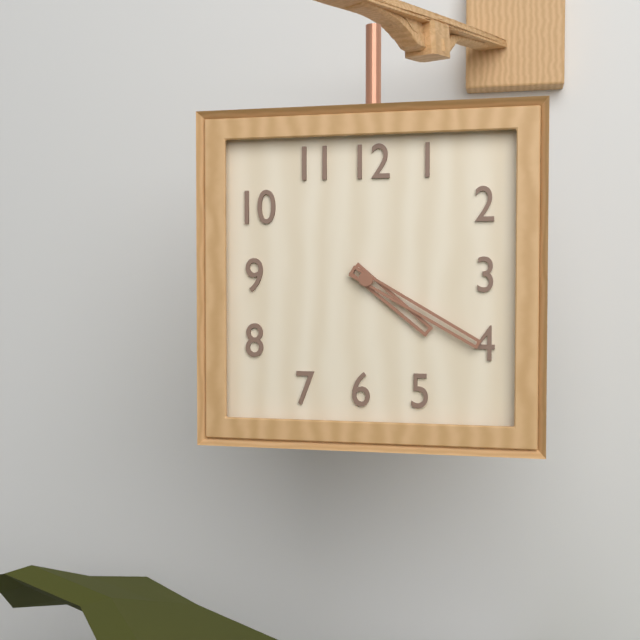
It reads **4:20**
